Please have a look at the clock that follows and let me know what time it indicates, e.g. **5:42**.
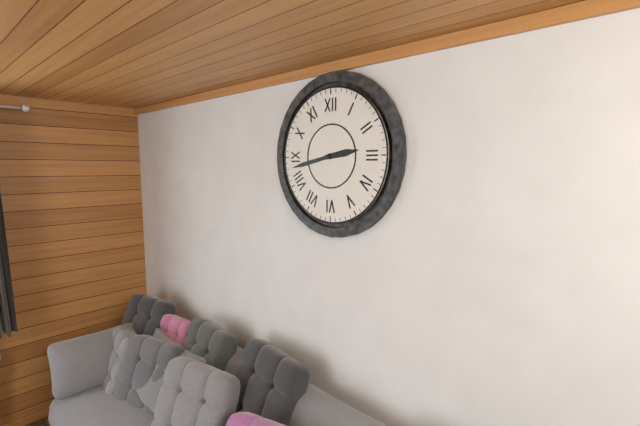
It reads **2:43**
